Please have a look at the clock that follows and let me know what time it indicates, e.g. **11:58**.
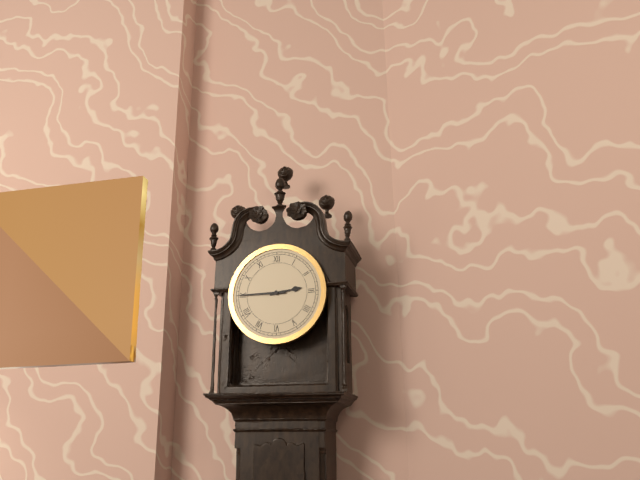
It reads **2:45**
